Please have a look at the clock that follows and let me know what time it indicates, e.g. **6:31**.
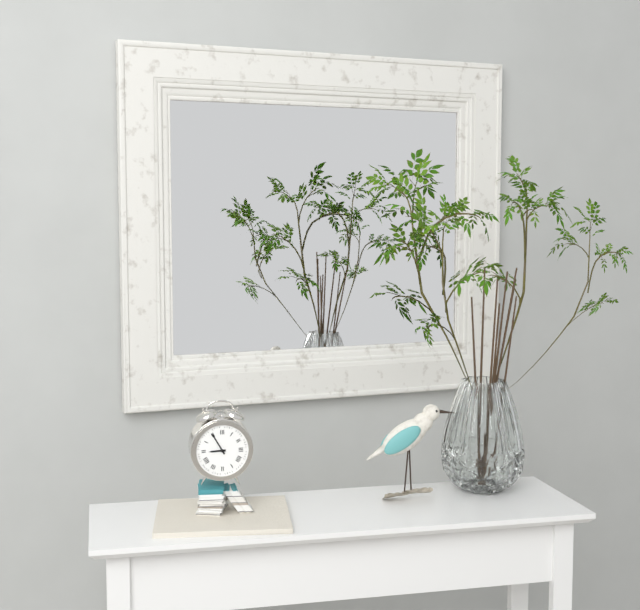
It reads **8:55**
